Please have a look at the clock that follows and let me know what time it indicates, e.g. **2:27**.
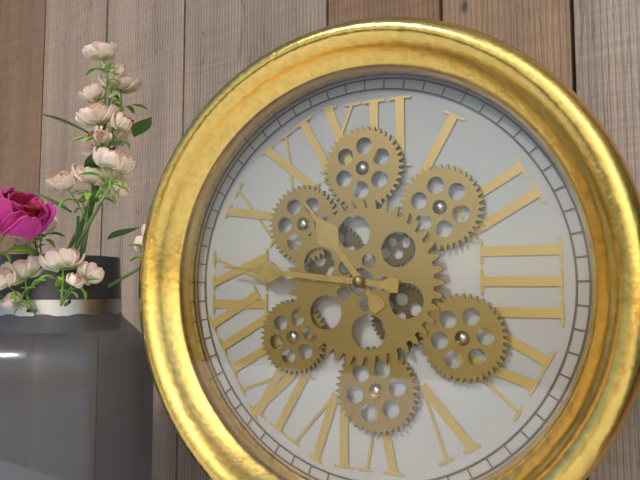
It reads **10:46**
